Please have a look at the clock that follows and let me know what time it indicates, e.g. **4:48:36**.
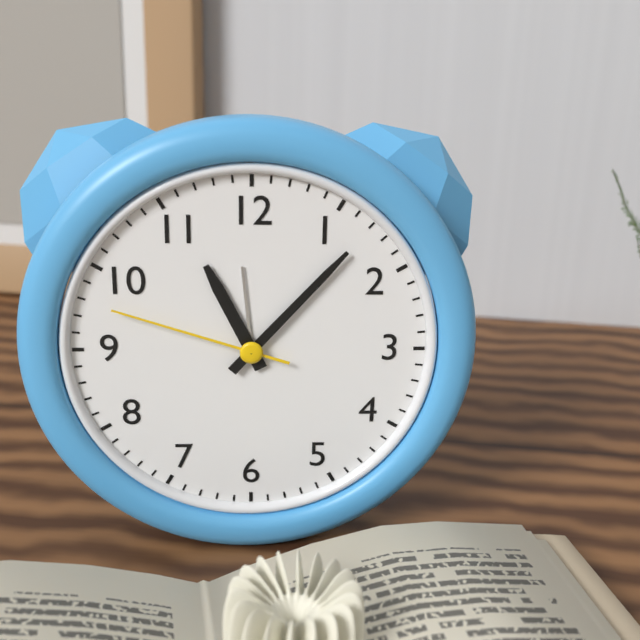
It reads **11:07:48**
